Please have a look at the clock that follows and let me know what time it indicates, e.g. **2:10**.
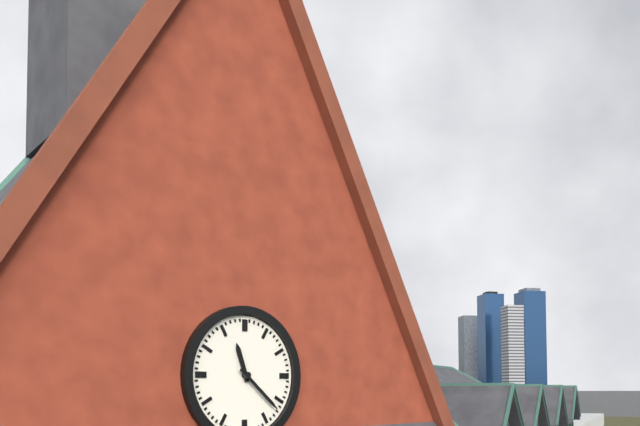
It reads **11:22**
